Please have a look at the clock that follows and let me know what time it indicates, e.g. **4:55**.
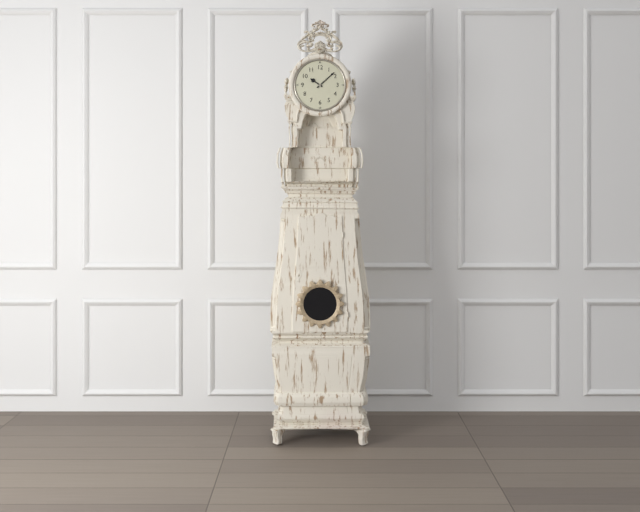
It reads **10:08**
